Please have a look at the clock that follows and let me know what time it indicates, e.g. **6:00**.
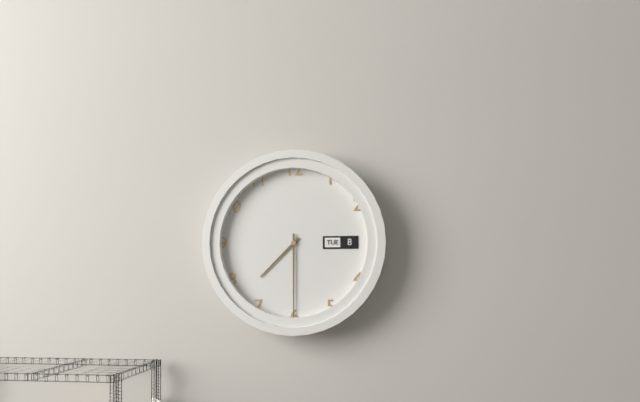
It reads **7:30**
